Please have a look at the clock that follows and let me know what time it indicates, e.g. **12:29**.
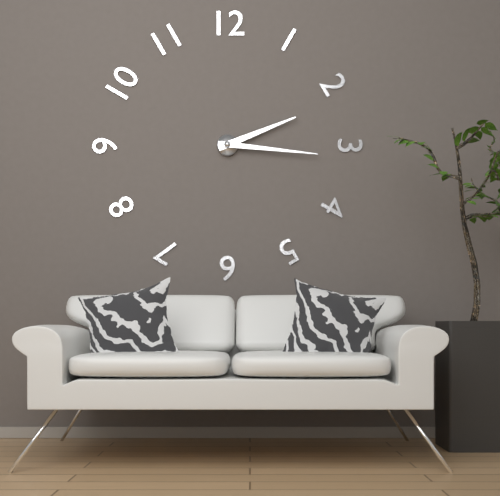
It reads **2:16**
